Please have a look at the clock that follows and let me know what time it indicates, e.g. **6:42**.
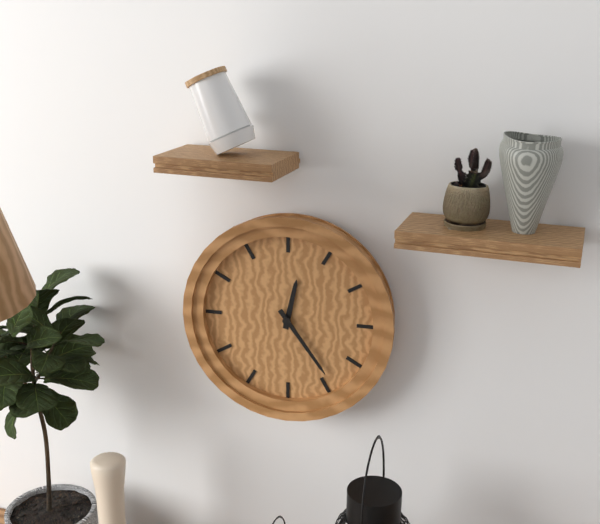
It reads **12:24**
